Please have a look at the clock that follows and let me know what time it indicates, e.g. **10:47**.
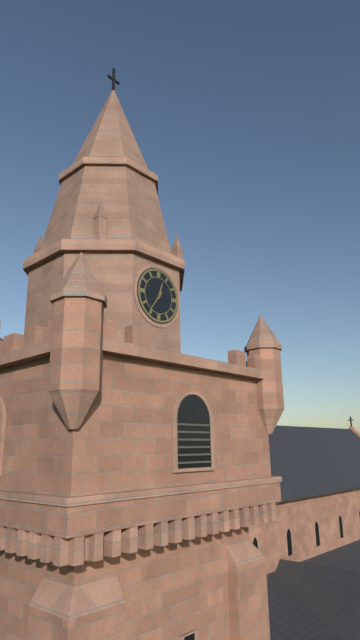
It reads **12:36**
